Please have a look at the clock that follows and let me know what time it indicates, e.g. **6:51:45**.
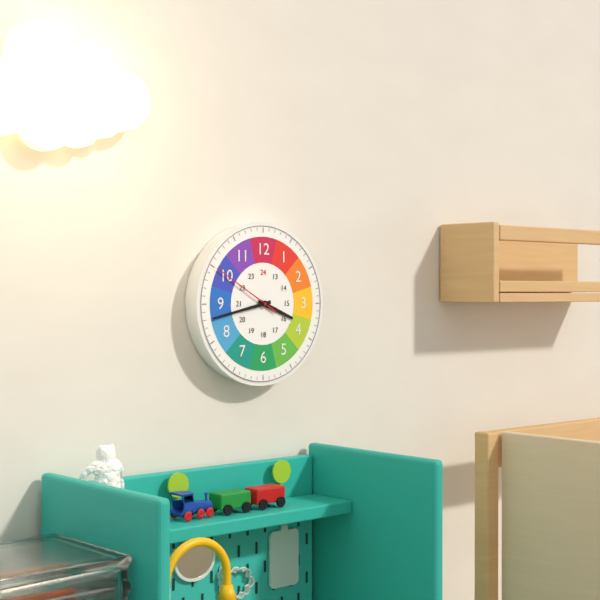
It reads **3:43:50**
